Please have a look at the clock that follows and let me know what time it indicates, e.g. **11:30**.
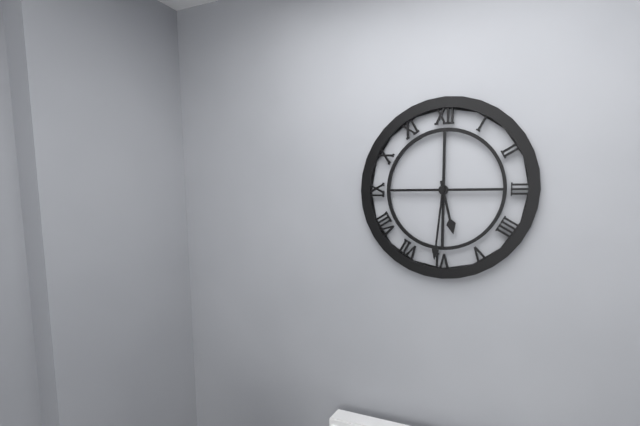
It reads **5:31**
